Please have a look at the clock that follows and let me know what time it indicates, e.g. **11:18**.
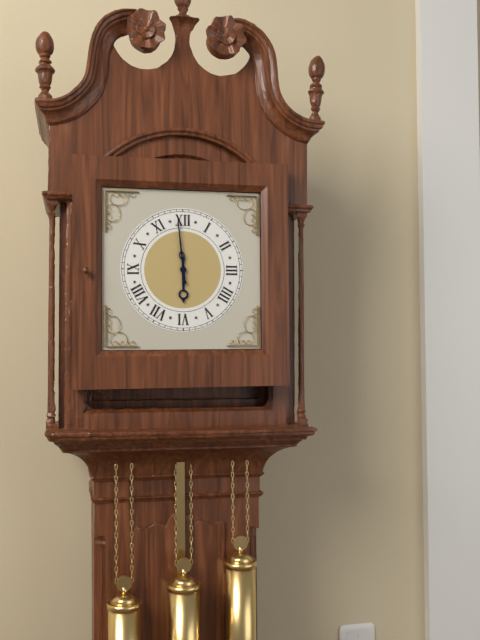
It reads **5:59**
